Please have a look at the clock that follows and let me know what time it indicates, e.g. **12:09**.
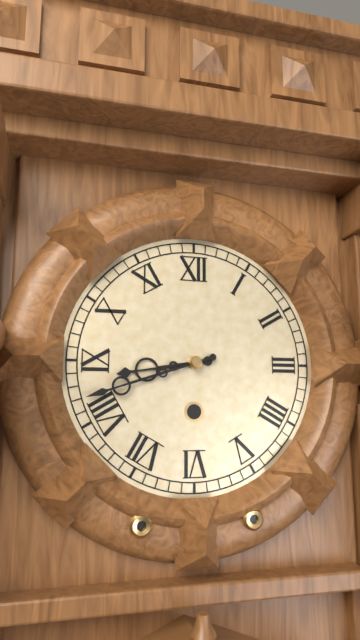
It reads **8:42**
